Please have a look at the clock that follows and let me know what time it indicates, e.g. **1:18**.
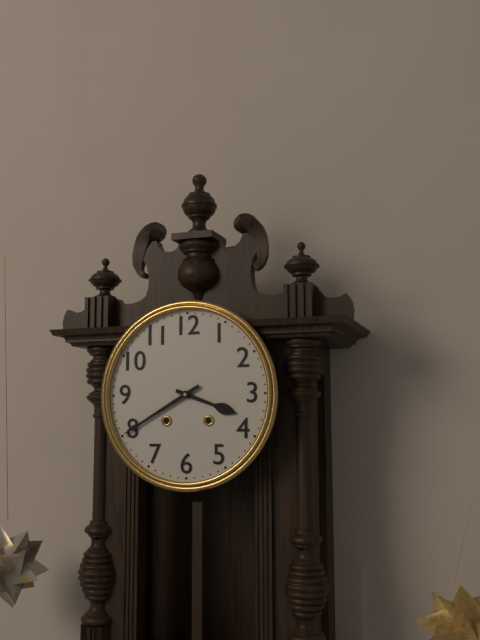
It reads **3:40**
